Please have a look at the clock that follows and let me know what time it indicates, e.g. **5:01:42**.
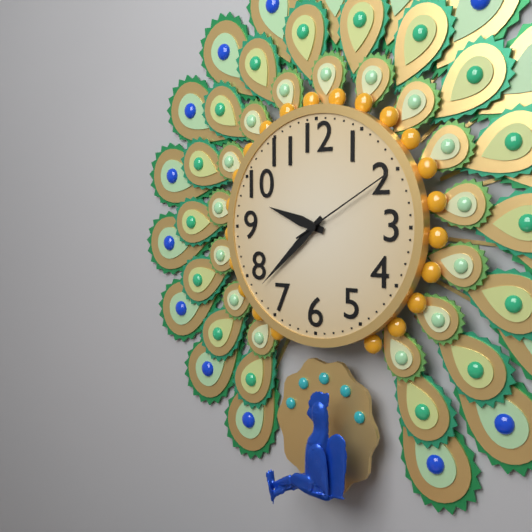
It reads **9:38:10**
